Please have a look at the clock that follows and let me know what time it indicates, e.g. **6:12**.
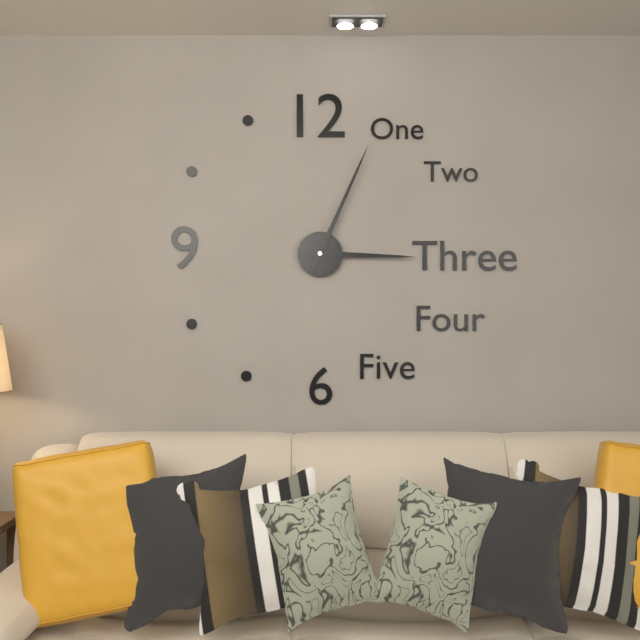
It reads **3:04**
